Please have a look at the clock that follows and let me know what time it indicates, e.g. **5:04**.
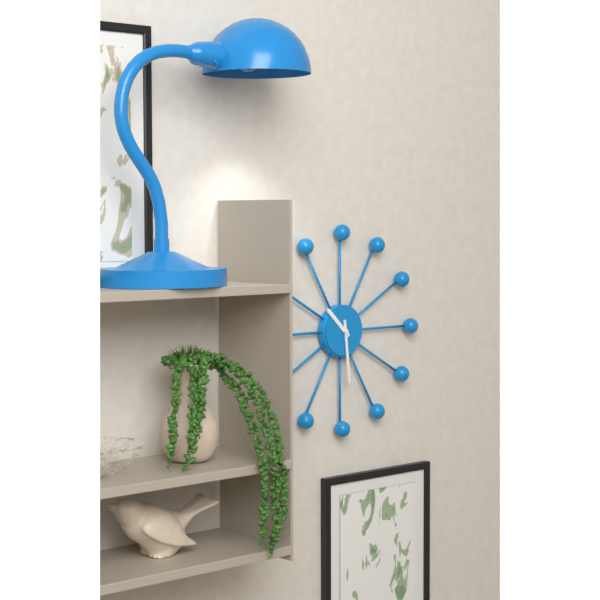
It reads **10:29**
